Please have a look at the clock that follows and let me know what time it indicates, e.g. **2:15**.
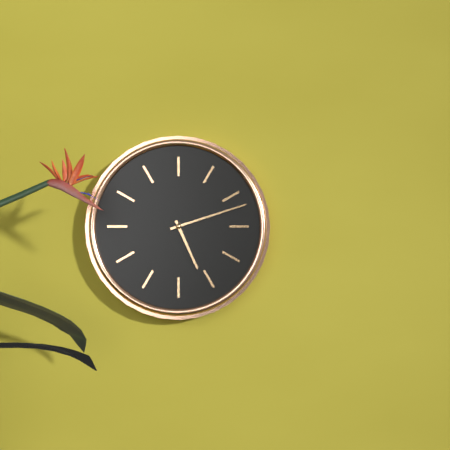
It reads **5:12**
